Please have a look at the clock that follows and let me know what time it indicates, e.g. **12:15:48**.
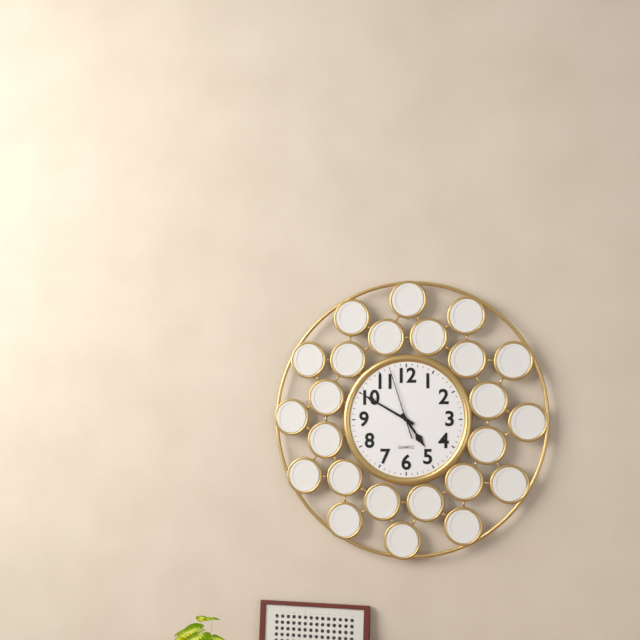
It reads **4:50:57**
